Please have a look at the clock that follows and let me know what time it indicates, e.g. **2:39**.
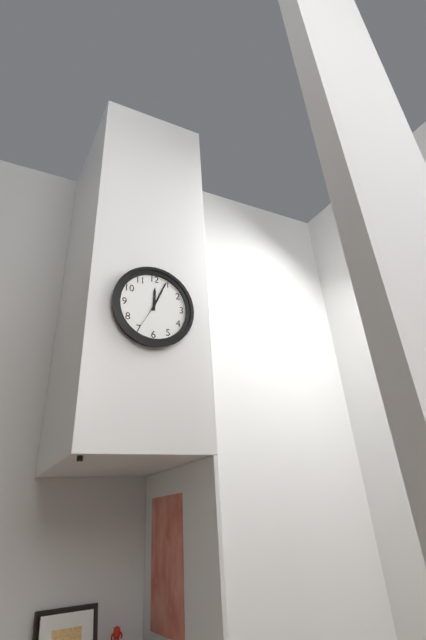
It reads **12:04**
